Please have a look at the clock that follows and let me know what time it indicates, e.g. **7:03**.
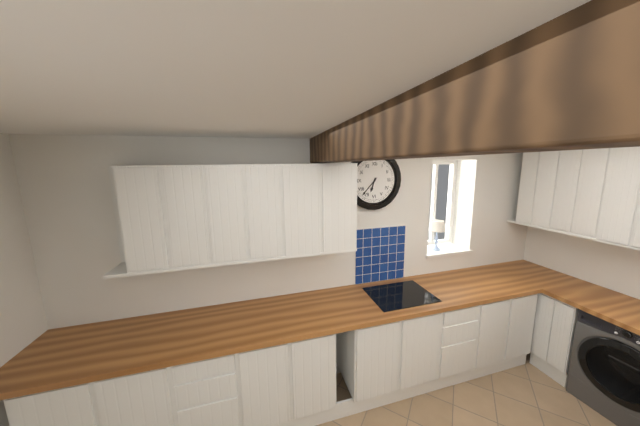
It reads **6:37**
